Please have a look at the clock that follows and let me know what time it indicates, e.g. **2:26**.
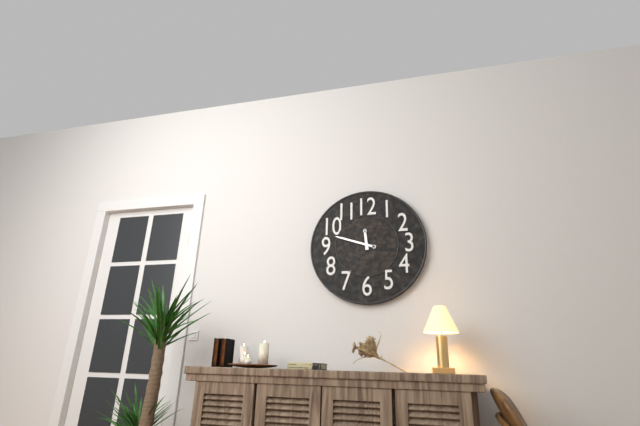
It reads **11:48**
